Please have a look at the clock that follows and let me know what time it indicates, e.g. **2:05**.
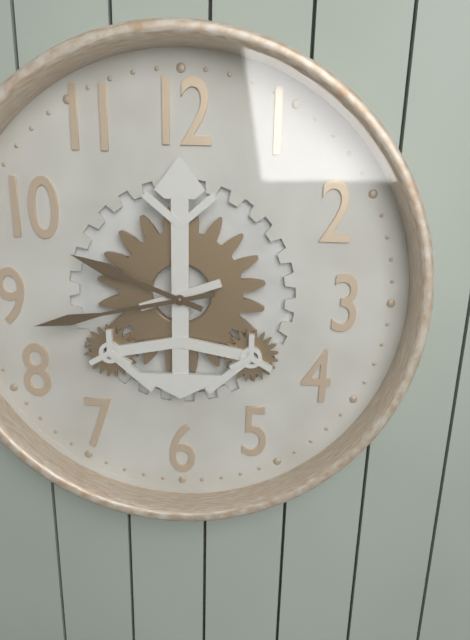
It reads **9:43**
